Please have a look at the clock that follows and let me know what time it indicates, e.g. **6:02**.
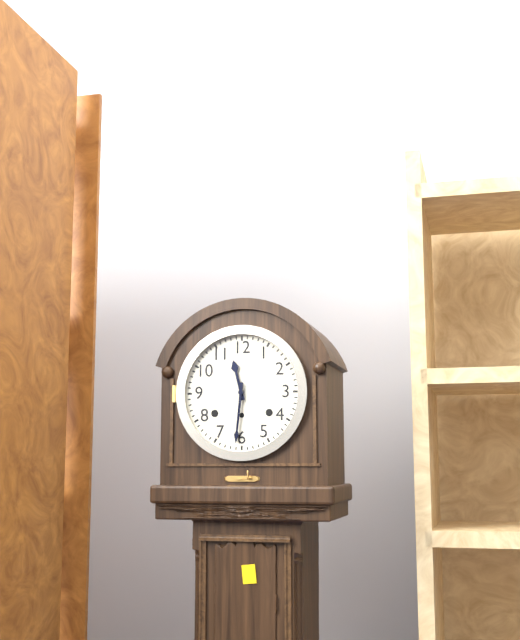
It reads **11:31**
